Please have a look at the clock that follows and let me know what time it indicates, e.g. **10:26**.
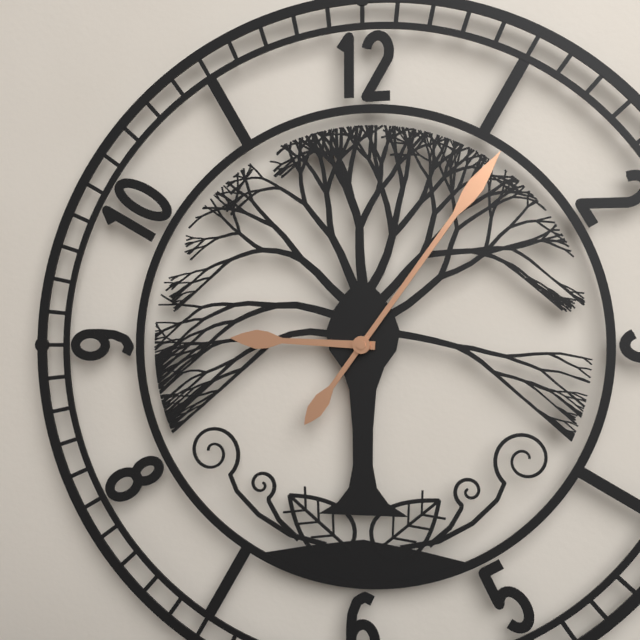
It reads **9:06**
